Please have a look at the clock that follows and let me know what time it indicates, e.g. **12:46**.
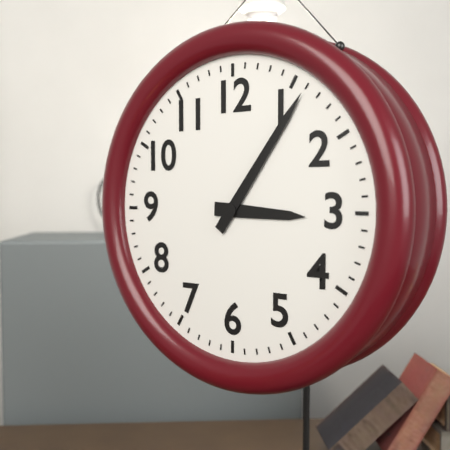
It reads **3:06**
